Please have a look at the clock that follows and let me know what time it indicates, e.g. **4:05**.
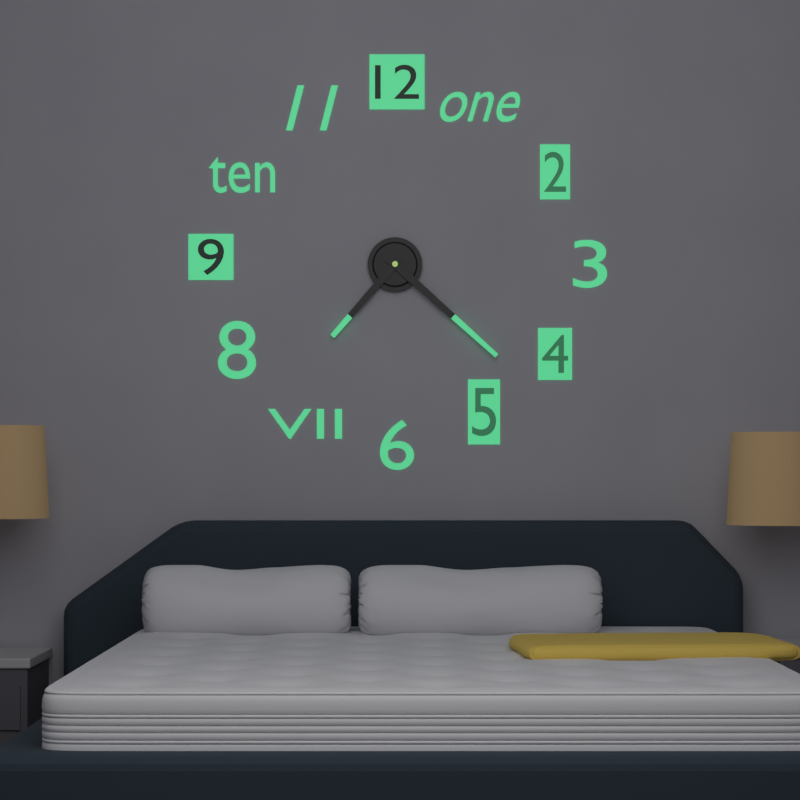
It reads **7:22**
